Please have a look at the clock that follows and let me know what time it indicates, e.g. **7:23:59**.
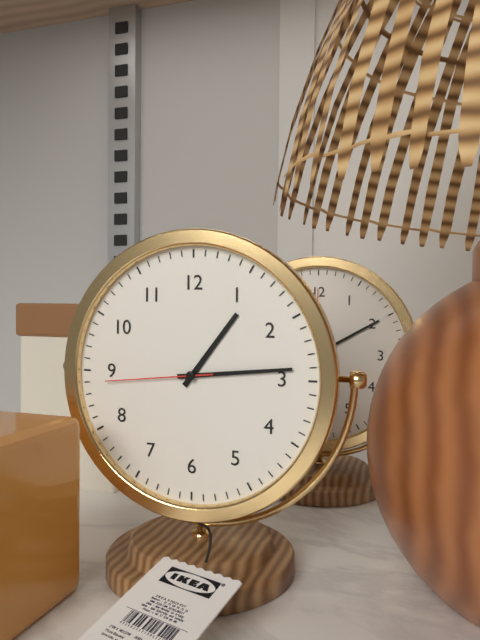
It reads **1:14:44**
